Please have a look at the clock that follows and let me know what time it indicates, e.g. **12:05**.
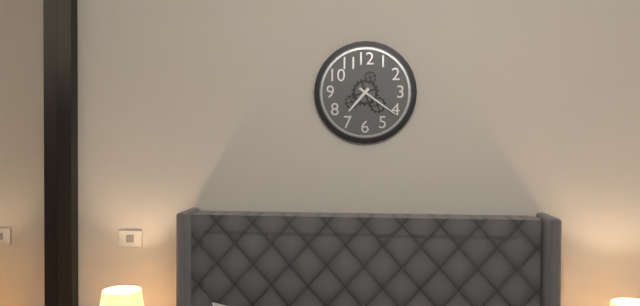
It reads **7:21**
